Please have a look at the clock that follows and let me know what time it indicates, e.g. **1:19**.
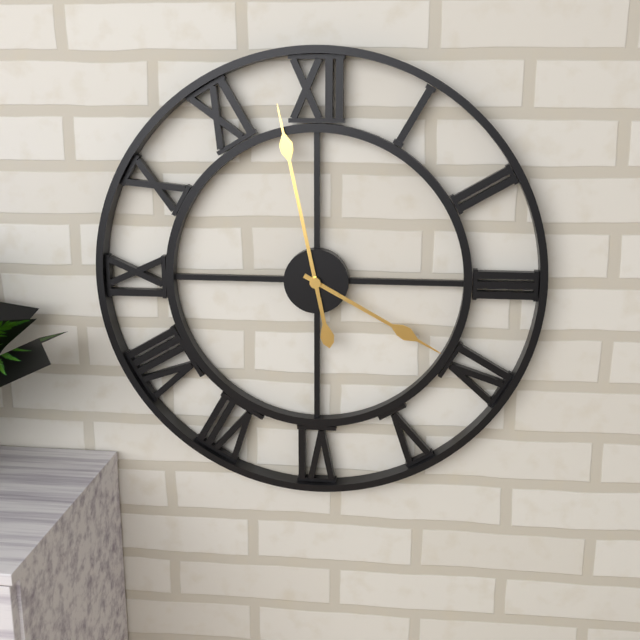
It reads **3:58**
